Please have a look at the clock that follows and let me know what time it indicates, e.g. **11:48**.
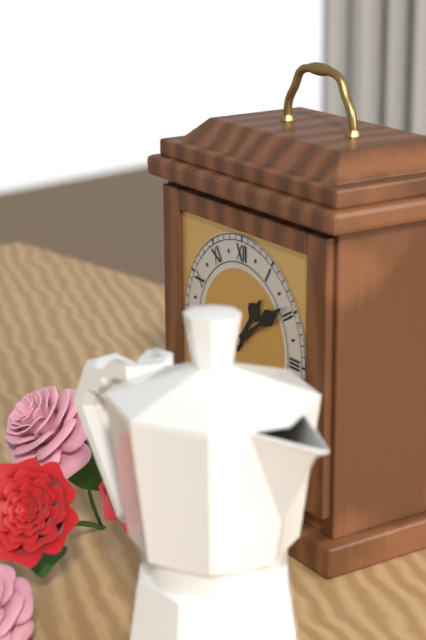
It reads **1:09**
